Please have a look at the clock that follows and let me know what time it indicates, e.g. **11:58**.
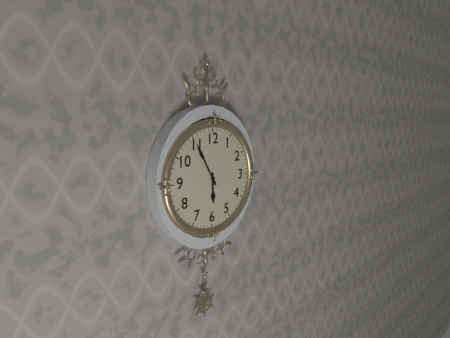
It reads **5:55**
